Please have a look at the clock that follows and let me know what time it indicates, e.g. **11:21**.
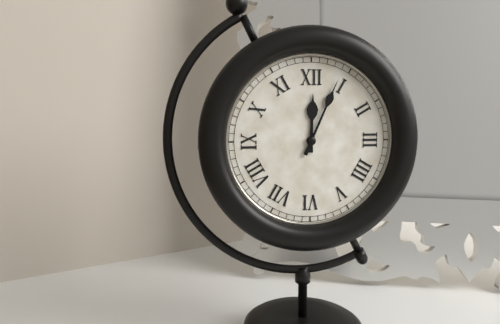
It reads **12:04**
